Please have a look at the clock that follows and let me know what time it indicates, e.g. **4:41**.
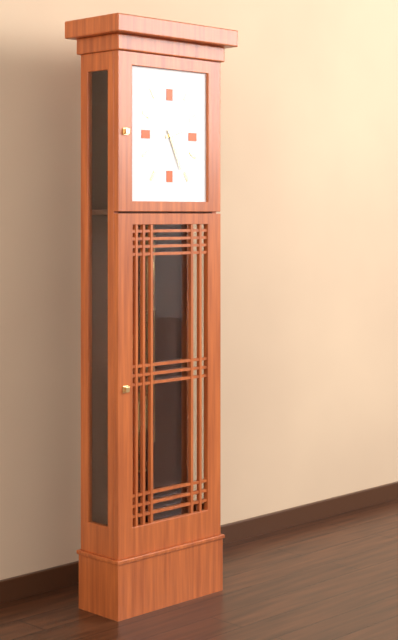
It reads **2:26**
